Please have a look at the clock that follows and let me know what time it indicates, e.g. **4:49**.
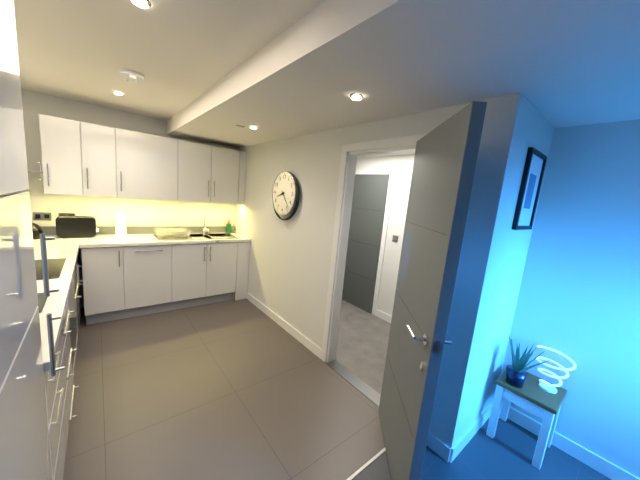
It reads **8:23**
